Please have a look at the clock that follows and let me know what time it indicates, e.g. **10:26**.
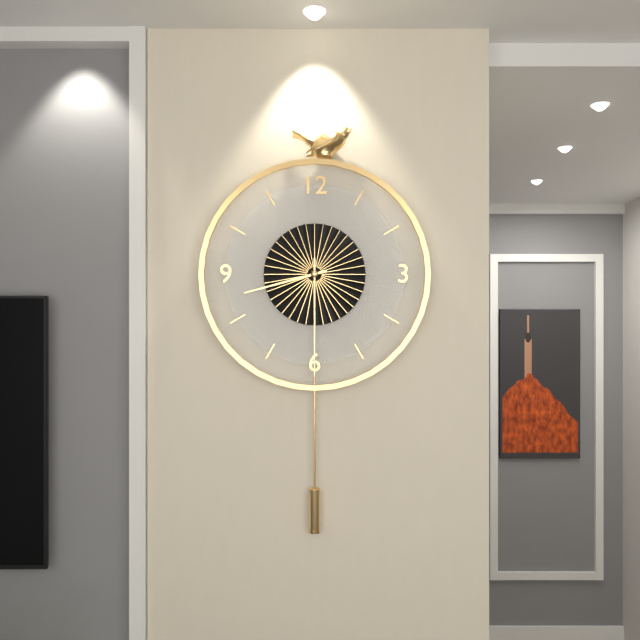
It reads **8:30**
